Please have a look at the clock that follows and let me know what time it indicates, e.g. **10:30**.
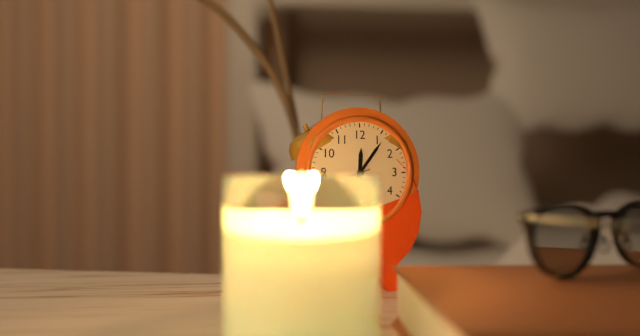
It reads **12:06**
